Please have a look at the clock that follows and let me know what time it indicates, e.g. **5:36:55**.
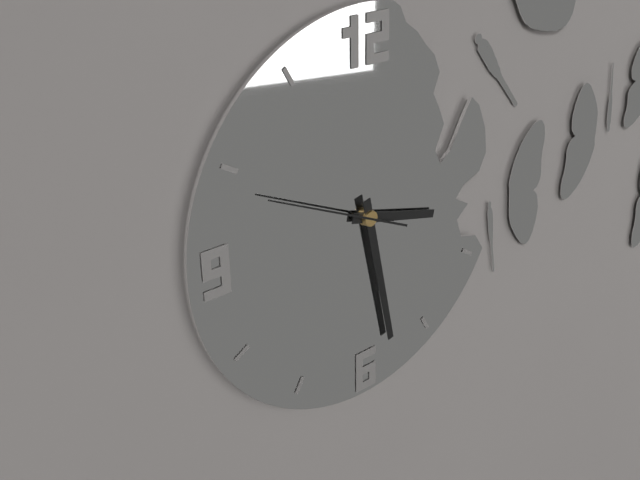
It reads **3:28:49**
